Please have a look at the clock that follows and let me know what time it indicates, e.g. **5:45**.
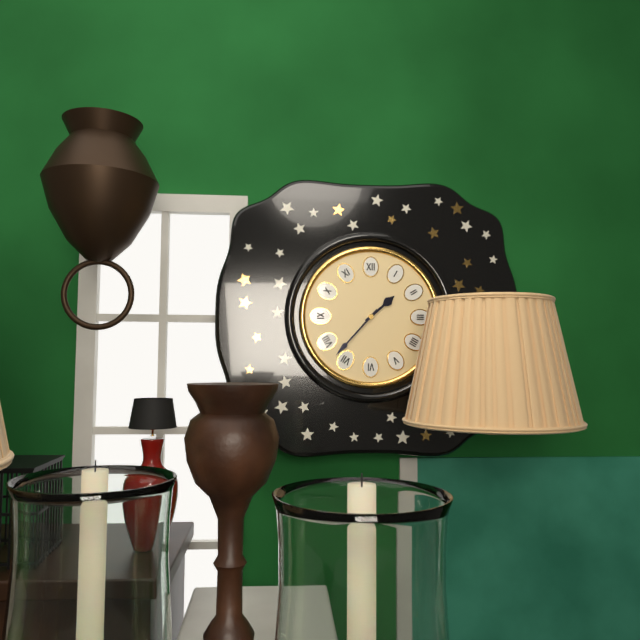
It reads **1:37**
